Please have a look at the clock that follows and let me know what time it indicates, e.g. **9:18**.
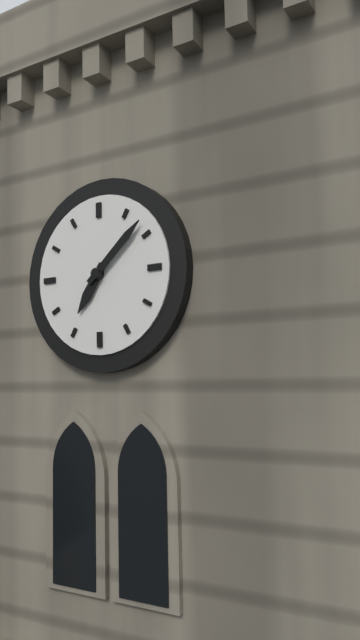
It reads **7:08**
